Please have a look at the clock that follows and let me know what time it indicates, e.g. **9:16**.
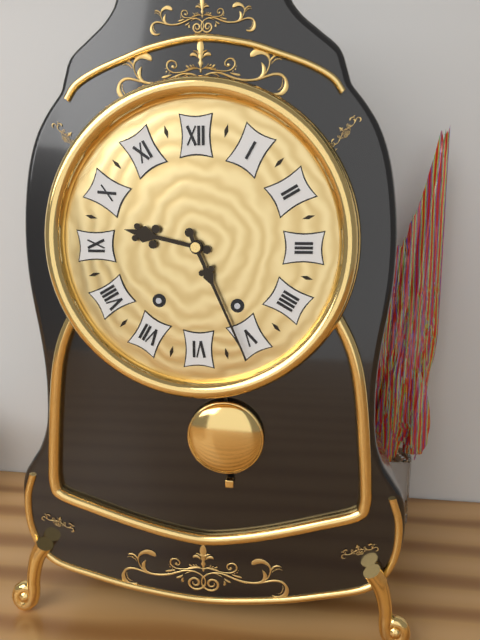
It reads **9:26**
